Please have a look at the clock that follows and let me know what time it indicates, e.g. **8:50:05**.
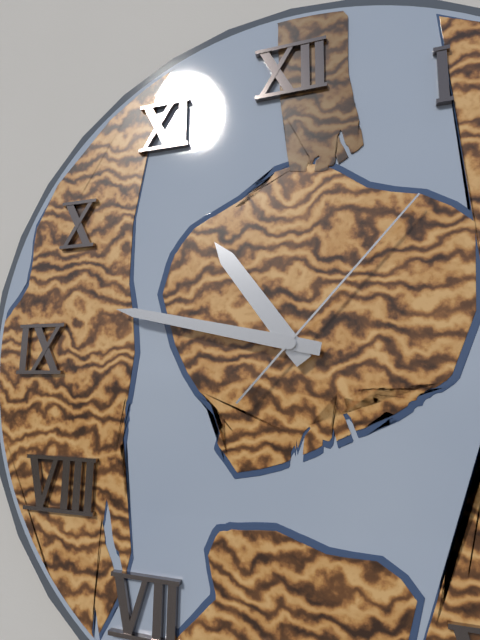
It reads **10:47:07**
